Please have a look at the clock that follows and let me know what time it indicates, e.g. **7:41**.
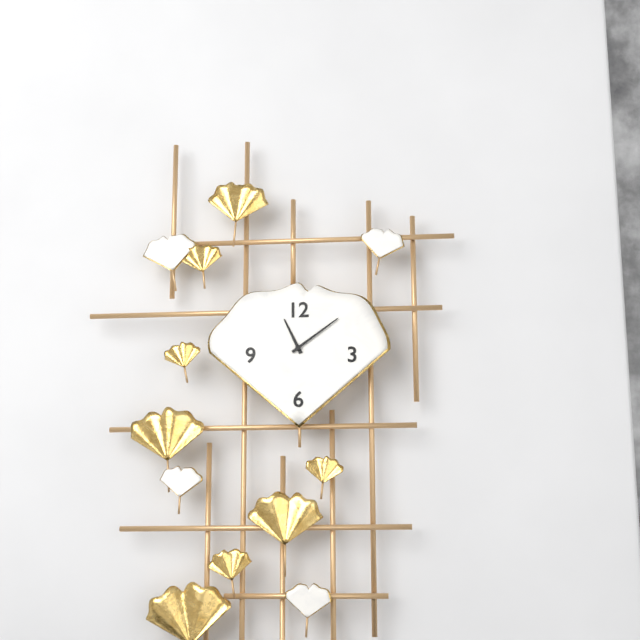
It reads **11:09**
